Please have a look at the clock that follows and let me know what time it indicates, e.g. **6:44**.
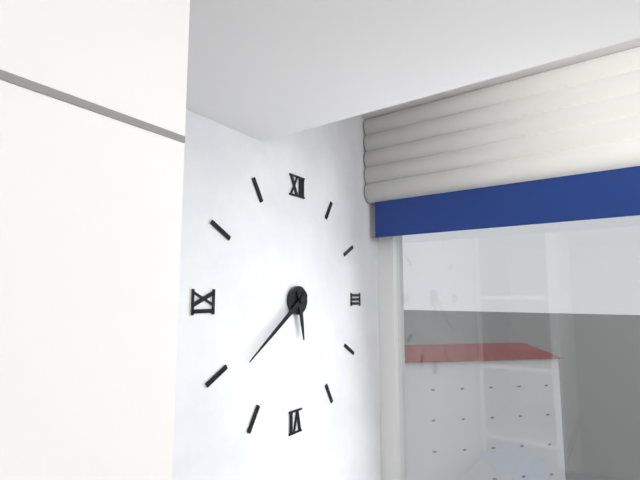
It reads **5:39**
